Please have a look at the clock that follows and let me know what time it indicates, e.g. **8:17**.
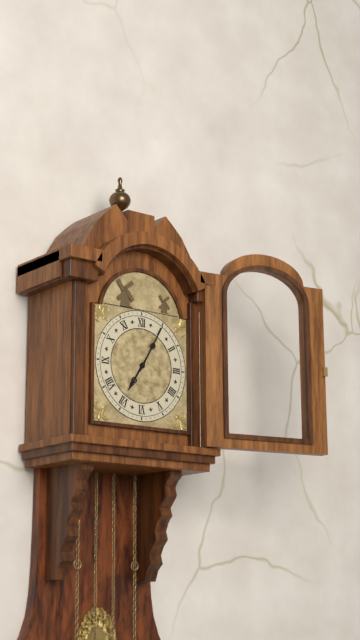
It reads **7:05**
